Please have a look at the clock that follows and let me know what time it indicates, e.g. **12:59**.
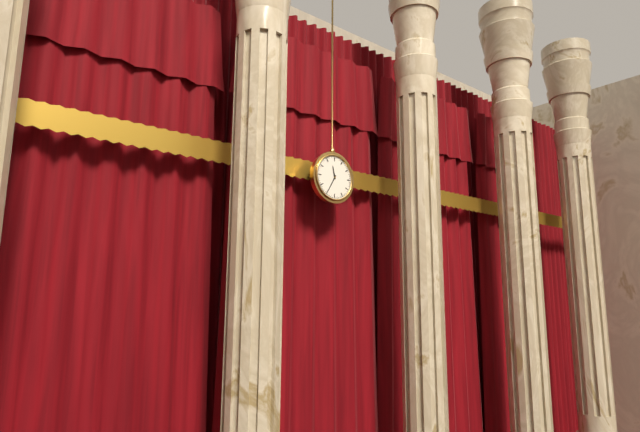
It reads **11:35**
